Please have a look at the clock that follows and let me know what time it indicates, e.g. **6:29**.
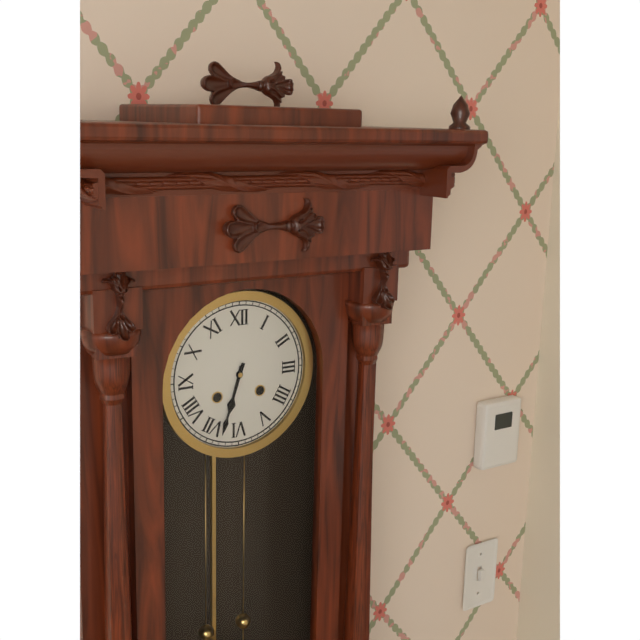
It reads **6:33**
